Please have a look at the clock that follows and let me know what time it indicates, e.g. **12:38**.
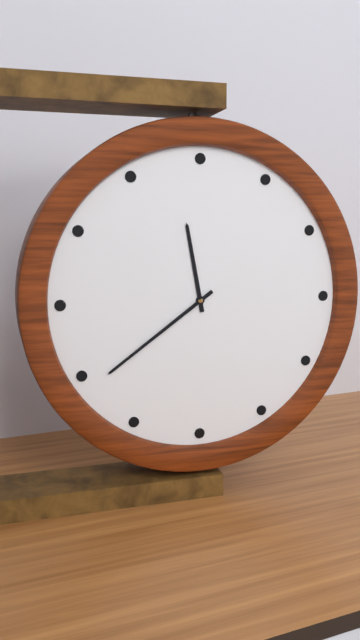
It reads **11:39**
